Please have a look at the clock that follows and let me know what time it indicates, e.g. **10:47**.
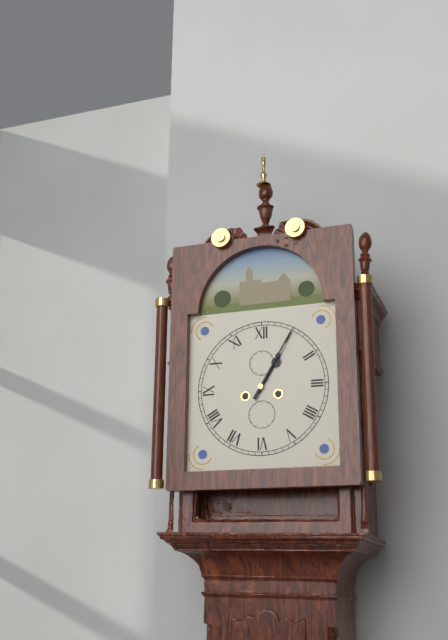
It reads **1:05**
